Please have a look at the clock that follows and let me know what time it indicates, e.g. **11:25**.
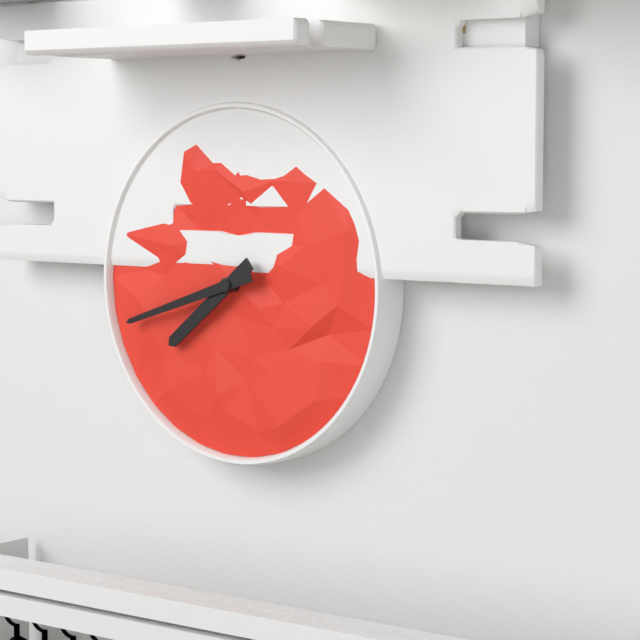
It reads **7:42**
